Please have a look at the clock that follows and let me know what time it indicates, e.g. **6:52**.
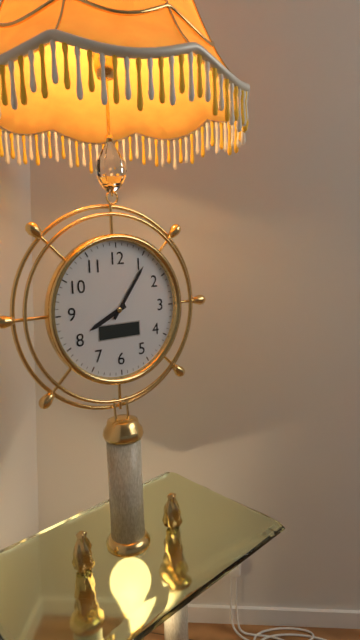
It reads **8:06**
